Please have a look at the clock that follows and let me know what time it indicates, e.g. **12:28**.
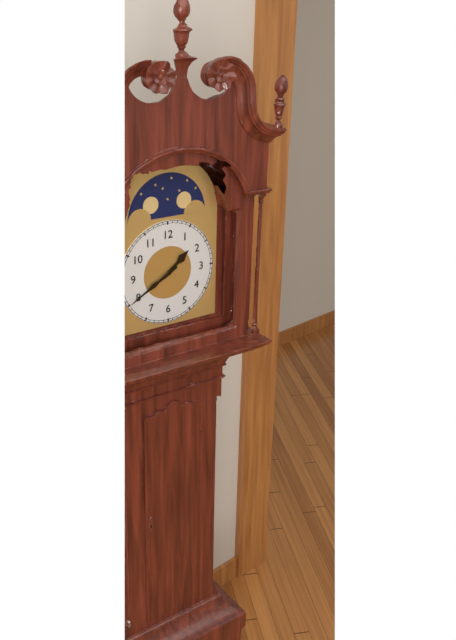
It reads **1:40**
